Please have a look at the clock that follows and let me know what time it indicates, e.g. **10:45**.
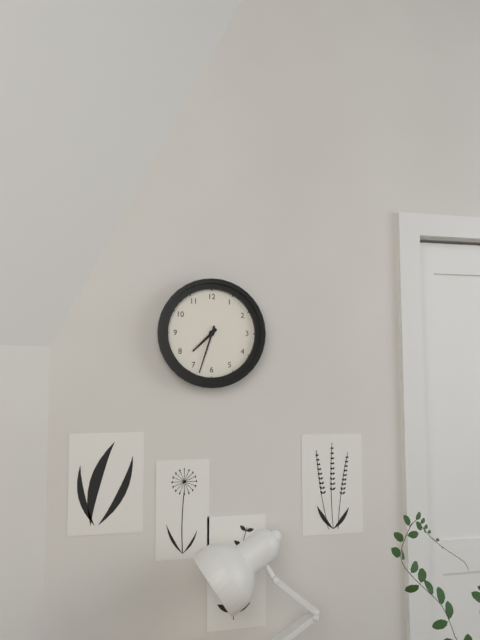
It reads **7:33**
